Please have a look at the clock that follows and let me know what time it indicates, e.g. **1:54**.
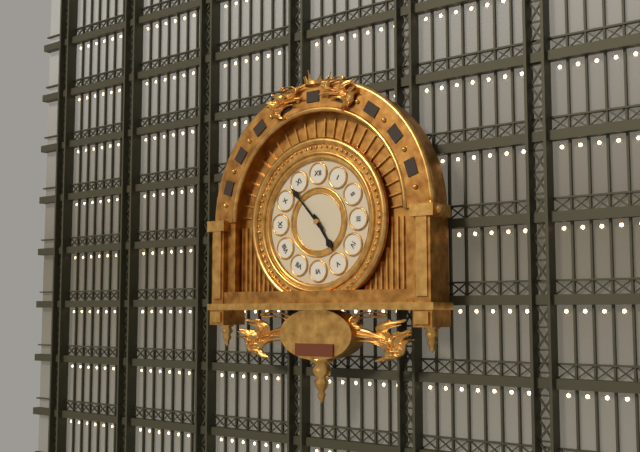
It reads **4:53**
